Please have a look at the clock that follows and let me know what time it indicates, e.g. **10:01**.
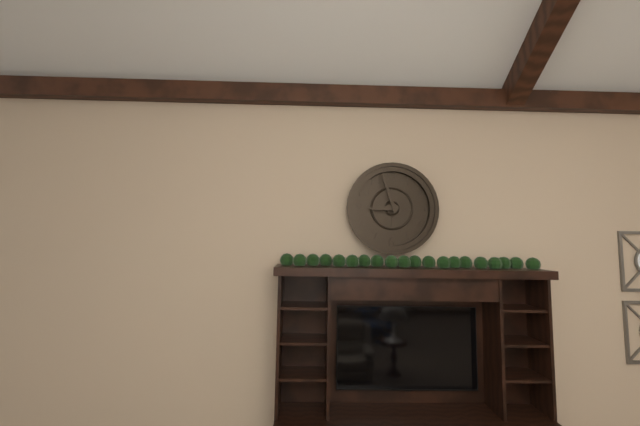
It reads **8:57**
